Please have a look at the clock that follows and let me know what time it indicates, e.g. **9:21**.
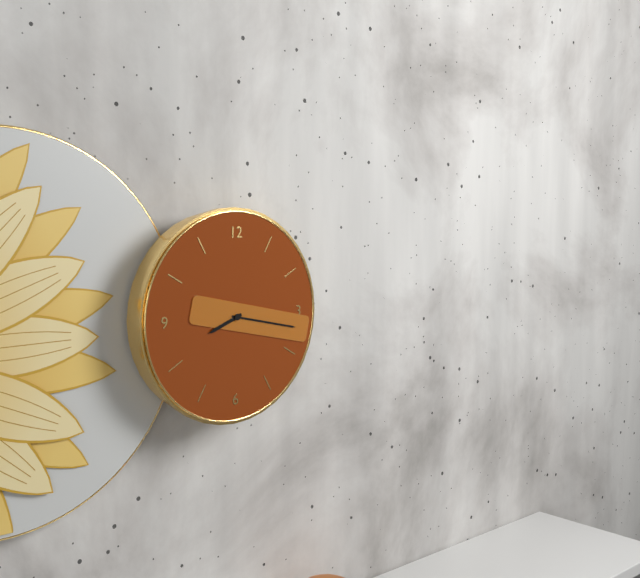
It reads **8:17**
